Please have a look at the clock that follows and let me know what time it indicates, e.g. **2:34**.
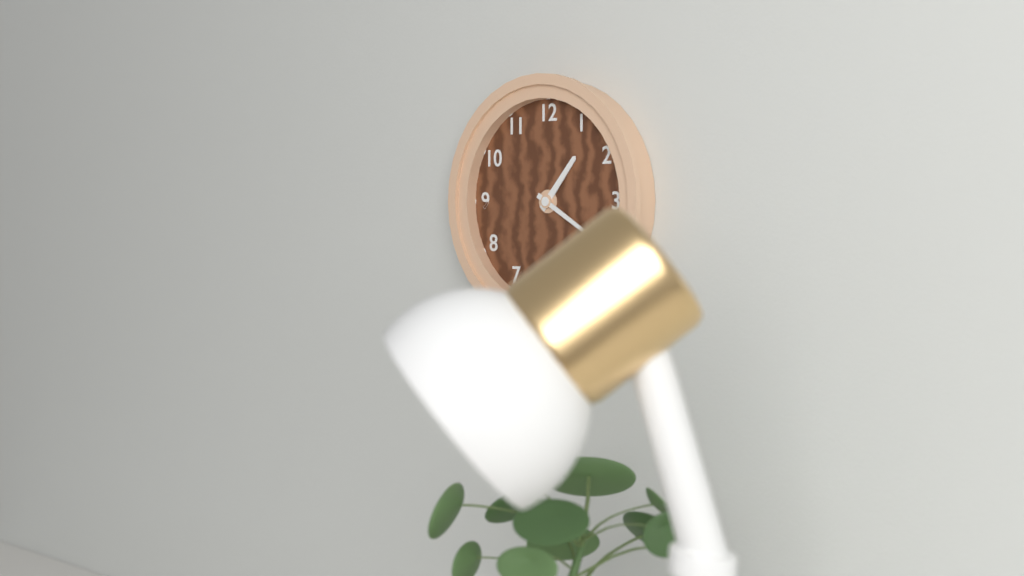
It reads **1:20**
